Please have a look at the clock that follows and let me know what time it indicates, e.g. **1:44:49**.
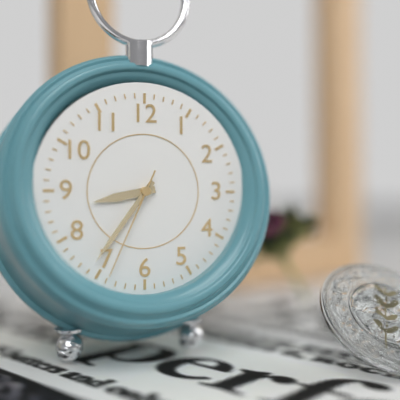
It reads **8:36:34**
